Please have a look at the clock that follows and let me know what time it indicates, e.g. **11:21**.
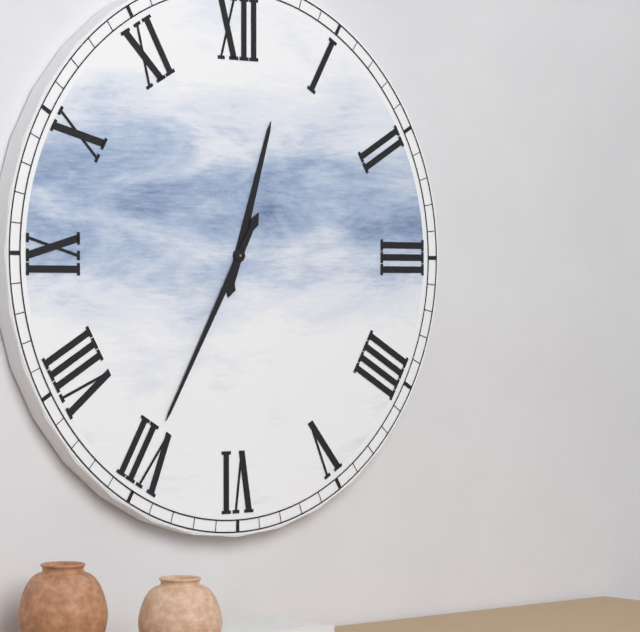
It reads **12:35**
